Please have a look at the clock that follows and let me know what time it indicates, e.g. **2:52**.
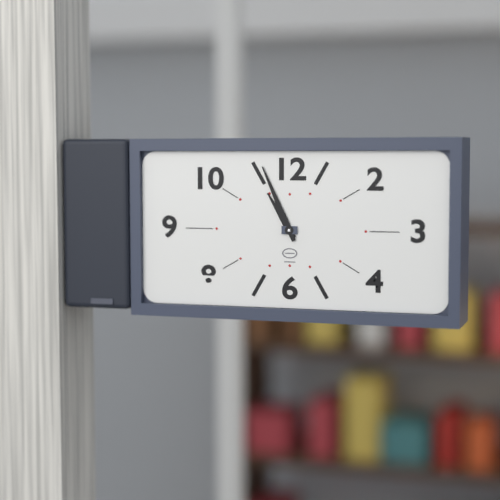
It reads **10:56**
